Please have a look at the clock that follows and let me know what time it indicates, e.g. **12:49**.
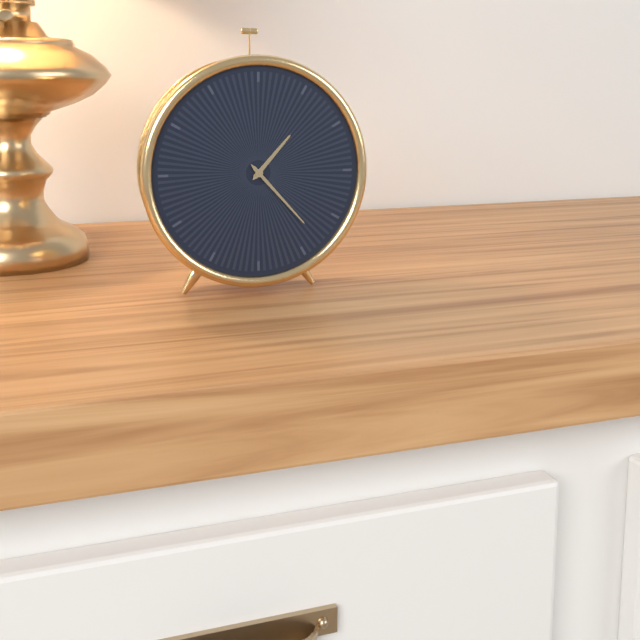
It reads **1:23**
